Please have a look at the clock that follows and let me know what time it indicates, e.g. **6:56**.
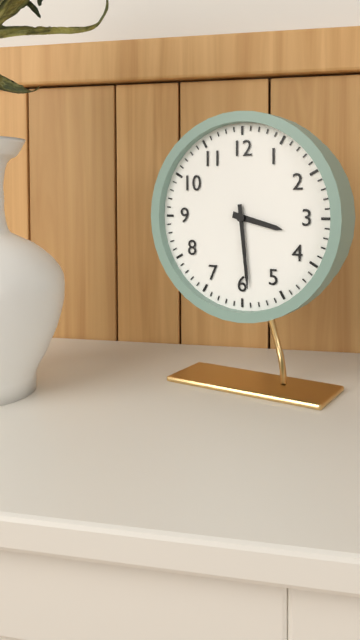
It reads **3:29**
